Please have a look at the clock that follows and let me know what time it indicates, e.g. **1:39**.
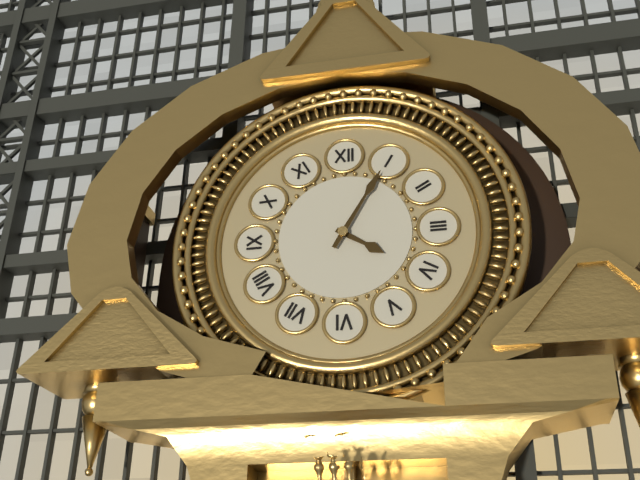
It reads **4:05**
